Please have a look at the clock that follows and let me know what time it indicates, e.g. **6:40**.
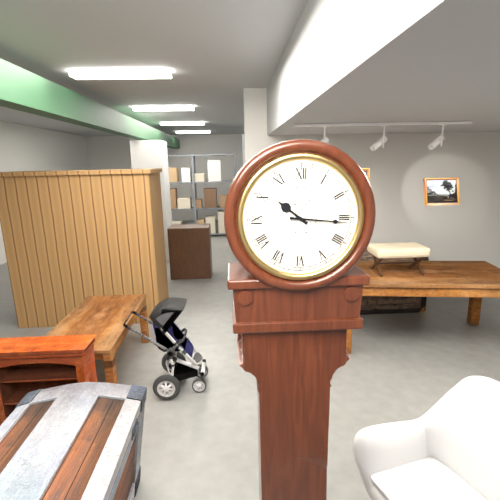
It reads **10:16**
